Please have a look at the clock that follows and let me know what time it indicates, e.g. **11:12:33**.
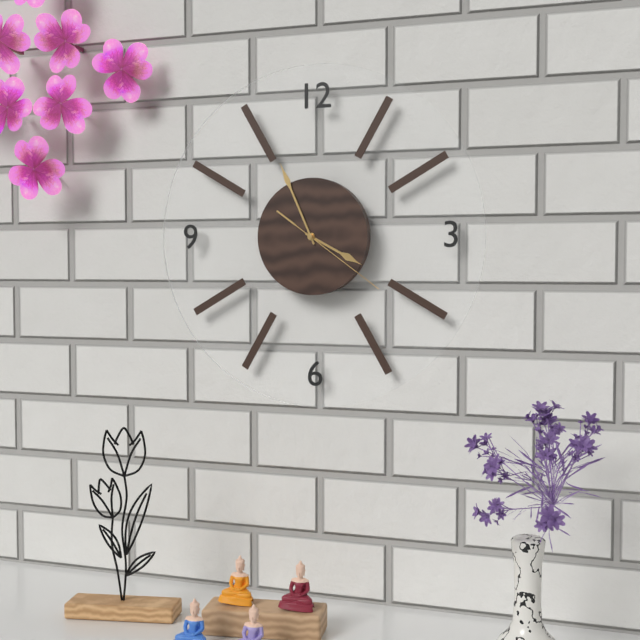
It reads **3:56:21**
